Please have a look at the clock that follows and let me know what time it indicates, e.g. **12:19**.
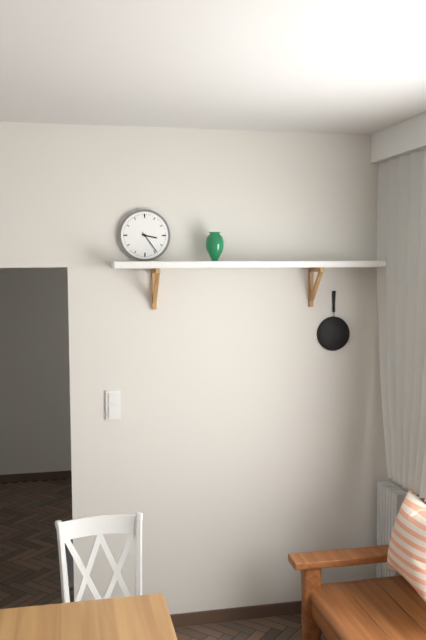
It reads **3:24**
